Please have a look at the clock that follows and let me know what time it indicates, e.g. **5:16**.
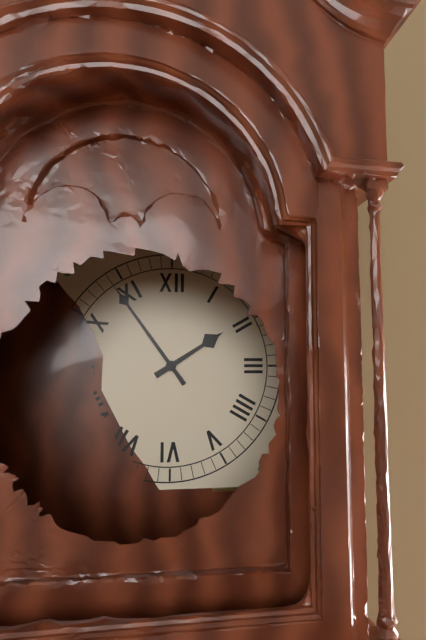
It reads **1:54**
